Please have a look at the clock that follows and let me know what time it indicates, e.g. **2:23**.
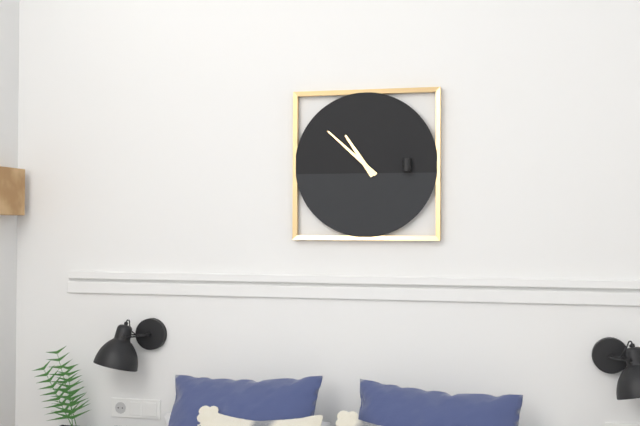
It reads **10:52**
